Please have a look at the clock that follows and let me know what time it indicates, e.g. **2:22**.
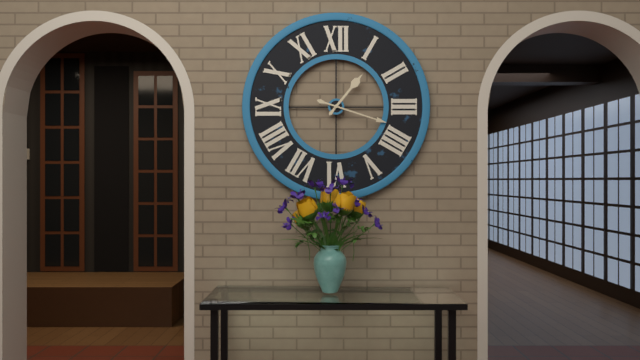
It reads **1:18**
